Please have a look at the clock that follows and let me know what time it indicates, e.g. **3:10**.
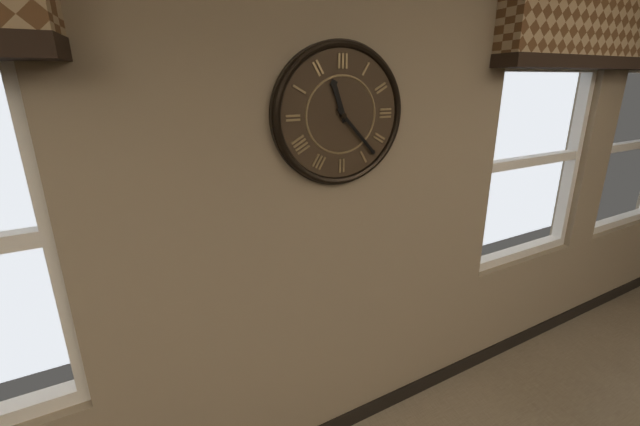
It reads **11:23**
